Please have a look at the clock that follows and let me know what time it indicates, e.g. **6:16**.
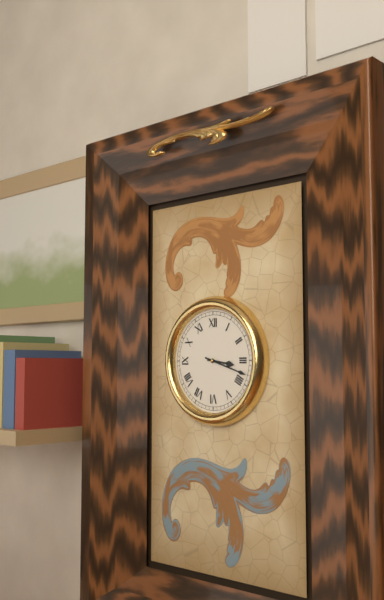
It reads **3:18**
